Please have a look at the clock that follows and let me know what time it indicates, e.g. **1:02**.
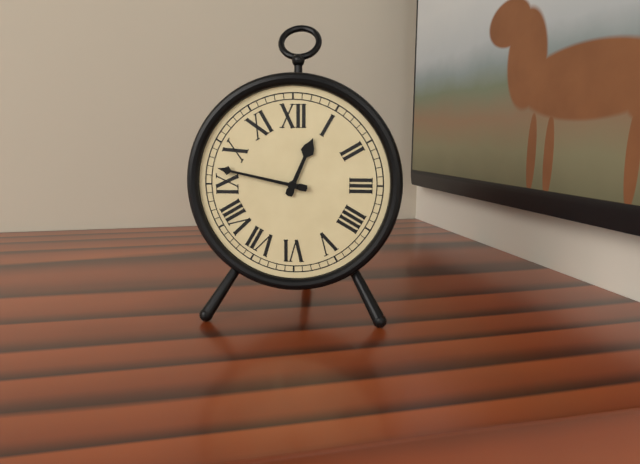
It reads **12:47**
